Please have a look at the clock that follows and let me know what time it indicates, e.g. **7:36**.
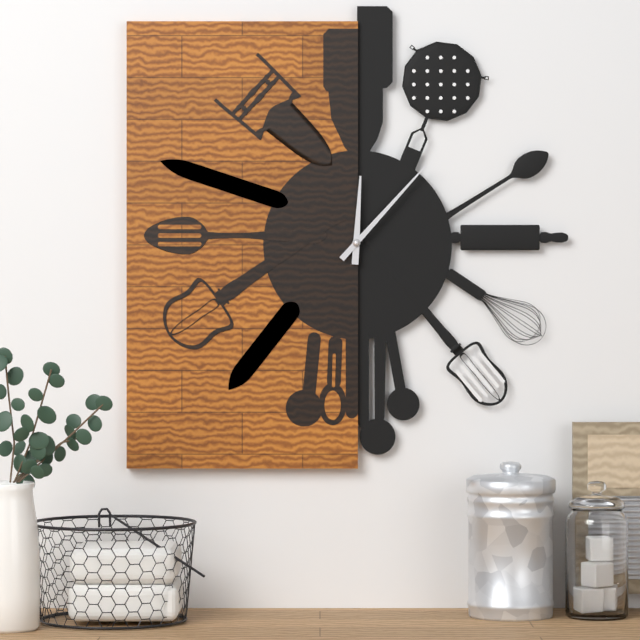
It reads **12:07**
